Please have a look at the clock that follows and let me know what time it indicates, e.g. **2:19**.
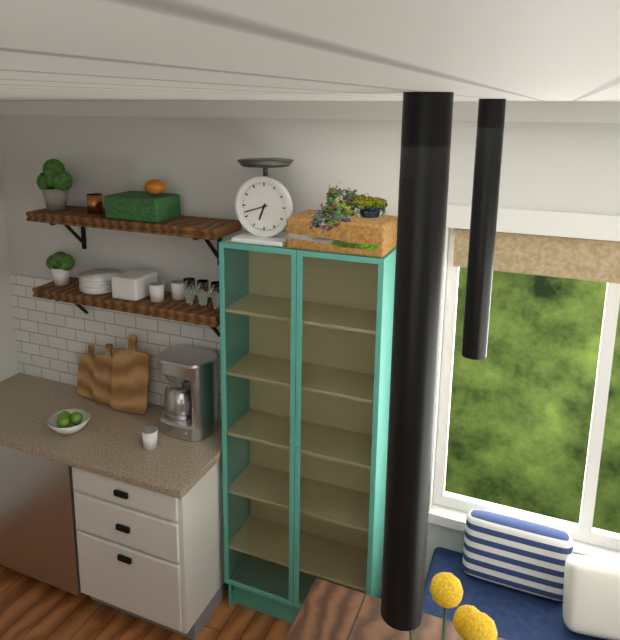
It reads **6:42**
